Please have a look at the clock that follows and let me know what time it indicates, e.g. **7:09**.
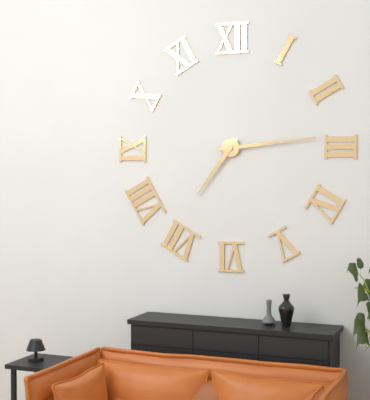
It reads **7:14**
